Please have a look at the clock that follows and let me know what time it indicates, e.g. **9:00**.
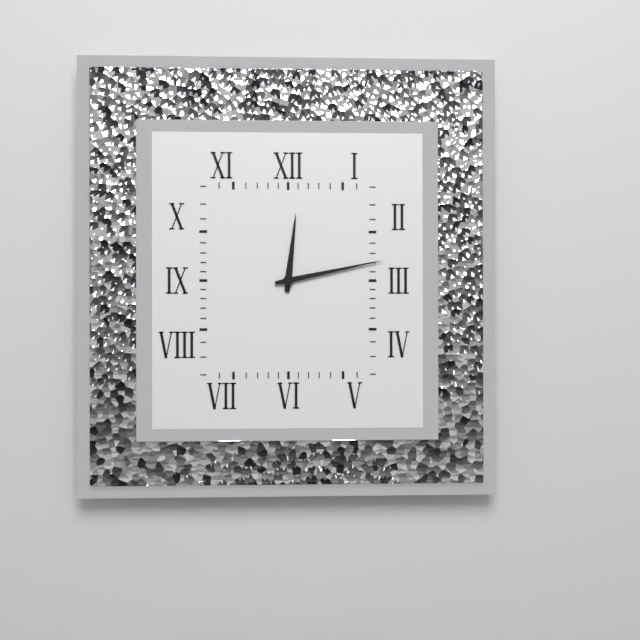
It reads **12:13**
